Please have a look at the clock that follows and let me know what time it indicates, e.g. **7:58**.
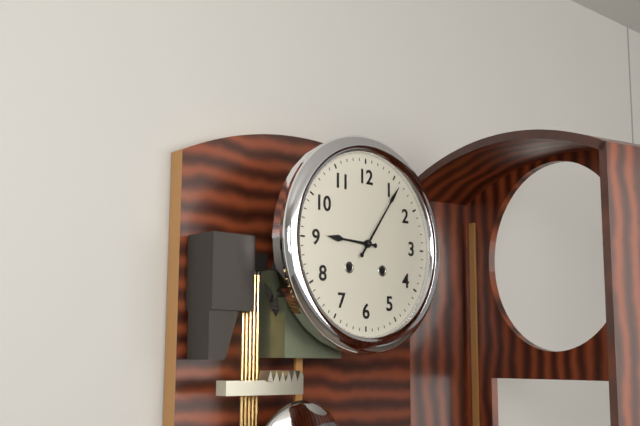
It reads **9:06**
